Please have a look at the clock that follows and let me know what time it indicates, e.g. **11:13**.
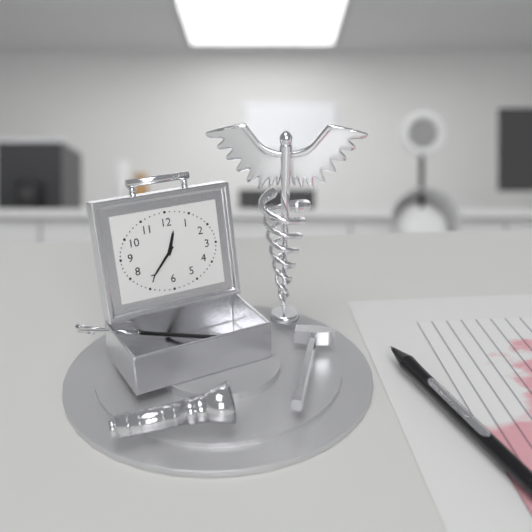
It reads **12:37**
